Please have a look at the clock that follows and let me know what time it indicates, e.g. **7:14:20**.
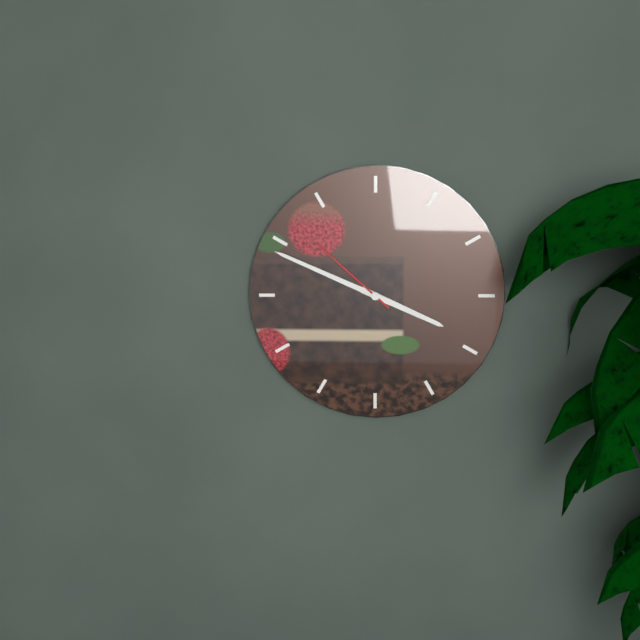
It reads **3:49:52**
